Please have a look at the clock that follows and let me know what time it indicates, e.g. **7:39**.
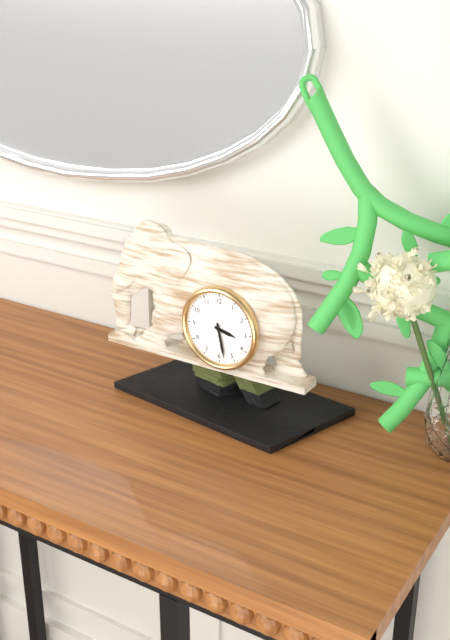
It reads **3:28**
